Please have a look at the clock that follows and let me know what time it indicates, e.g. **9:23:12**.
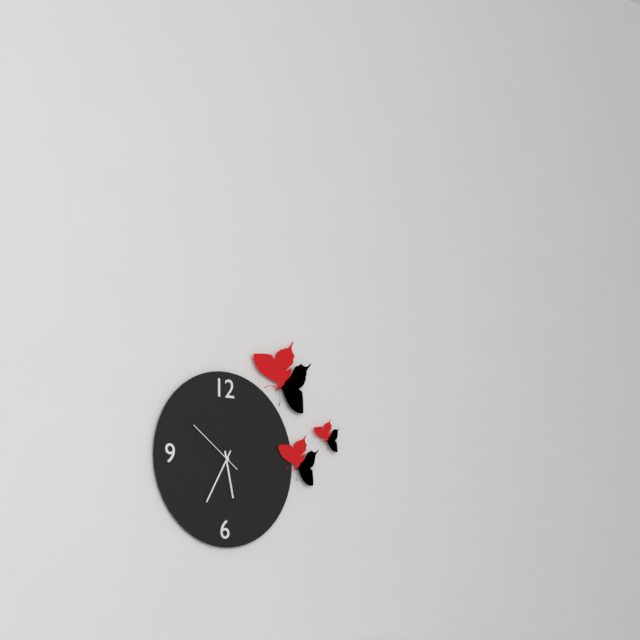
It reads **5:35:51**
